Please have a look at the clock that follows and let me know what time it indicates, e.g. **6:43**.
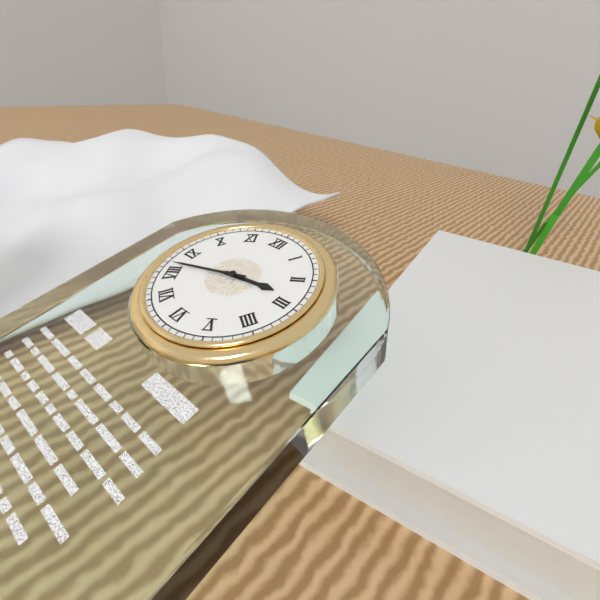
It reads **2:42**
